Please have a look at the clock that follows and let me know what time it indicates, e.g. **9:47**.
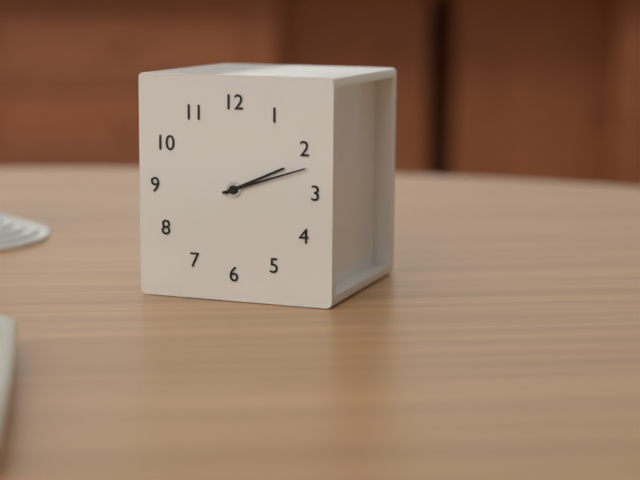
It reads **2:12**
